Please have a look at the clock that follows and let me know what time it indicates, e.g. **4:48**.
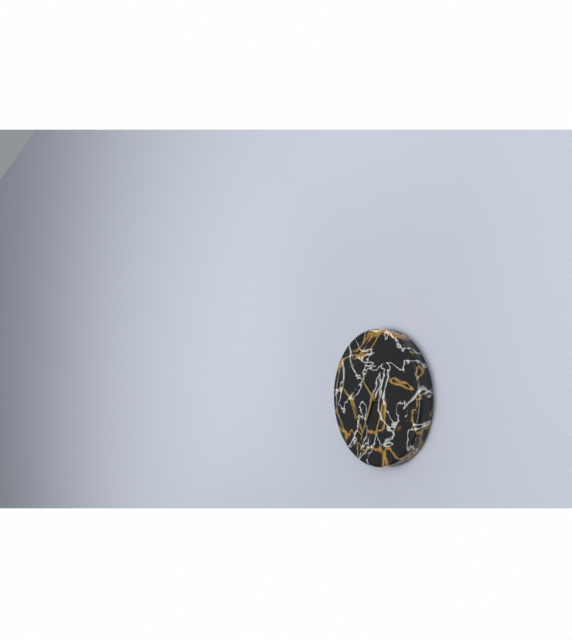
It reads **10:34**
